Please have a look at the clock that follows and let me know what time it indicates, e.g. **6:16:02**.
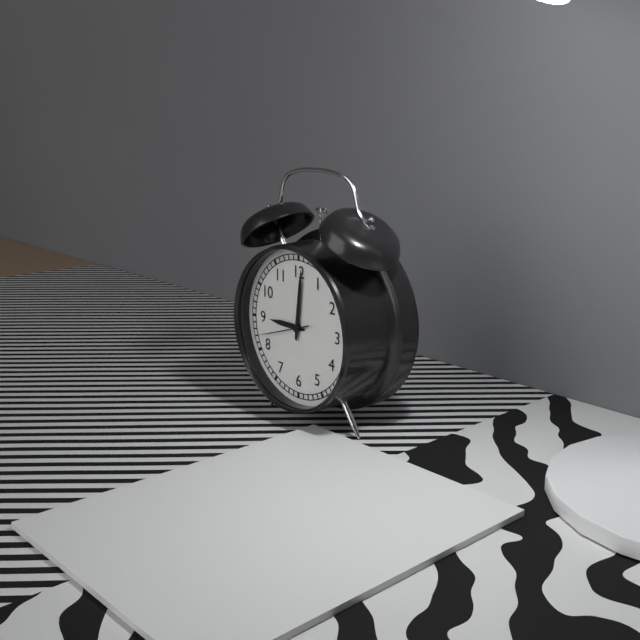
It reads **9:01:42**
